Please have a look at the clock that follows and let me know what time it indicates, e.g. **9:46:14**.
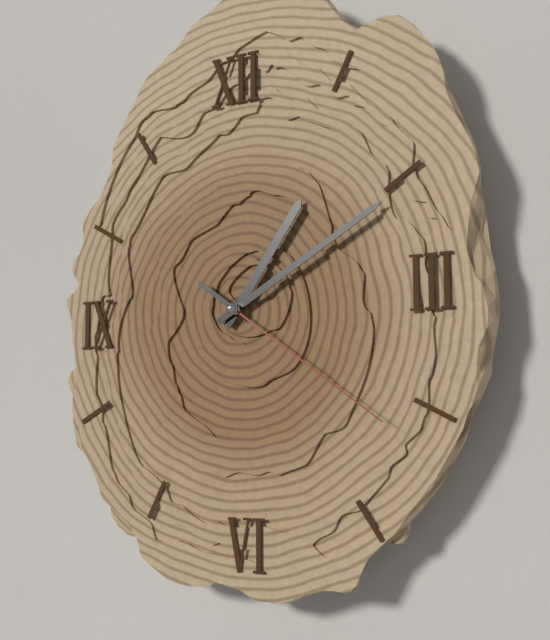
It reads **1:10:21**
